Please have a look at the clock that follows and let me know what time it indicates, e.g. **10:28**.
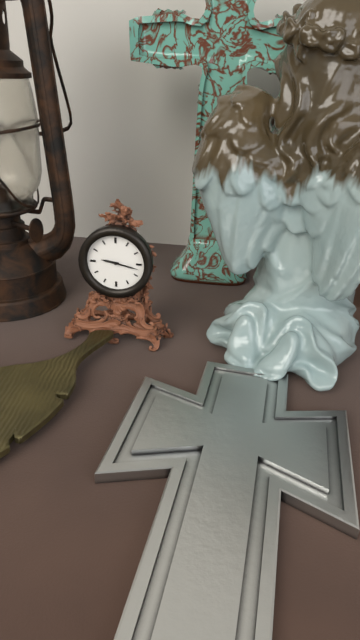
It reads **9:17**
